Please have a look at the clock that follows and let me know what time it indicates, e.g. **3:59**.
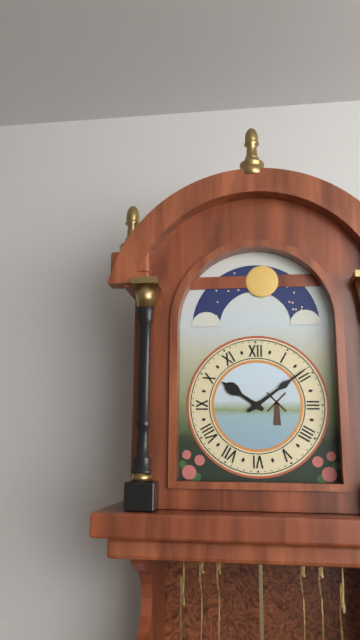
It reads **10:09**
